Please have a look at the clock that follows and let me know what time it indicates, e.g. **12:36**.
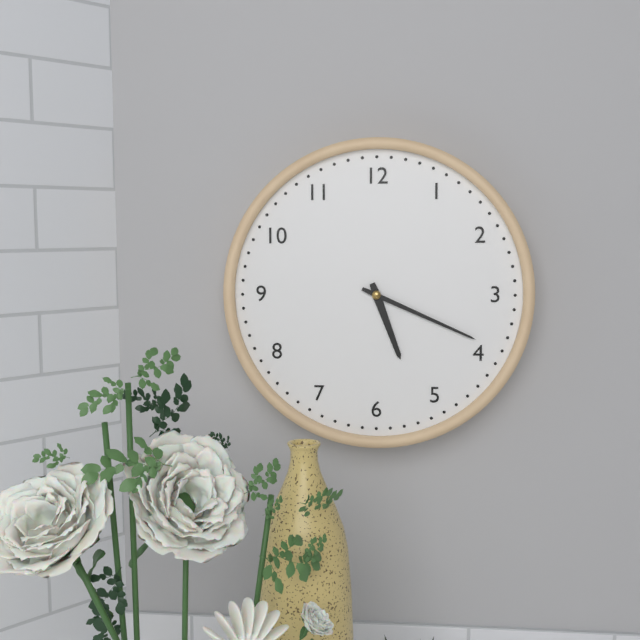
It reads **5:19**
